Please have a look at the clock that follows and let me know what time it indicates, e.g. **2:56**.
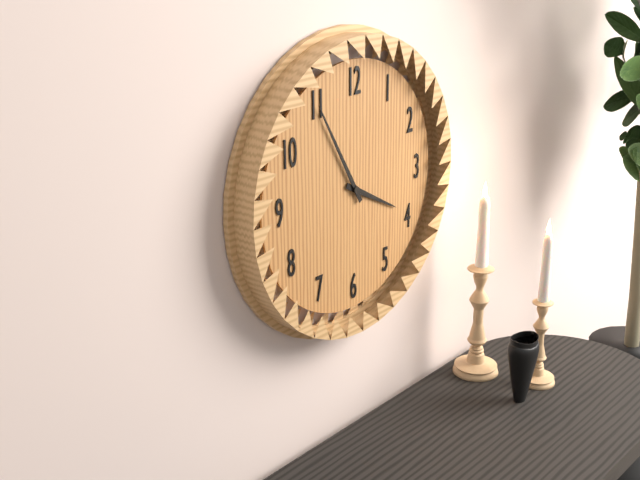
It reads **3:55**
